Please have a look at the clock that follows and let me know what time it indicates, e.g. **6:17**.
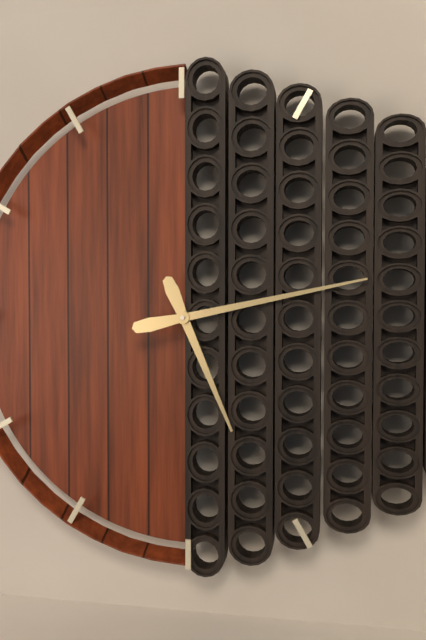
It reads **5:13**
